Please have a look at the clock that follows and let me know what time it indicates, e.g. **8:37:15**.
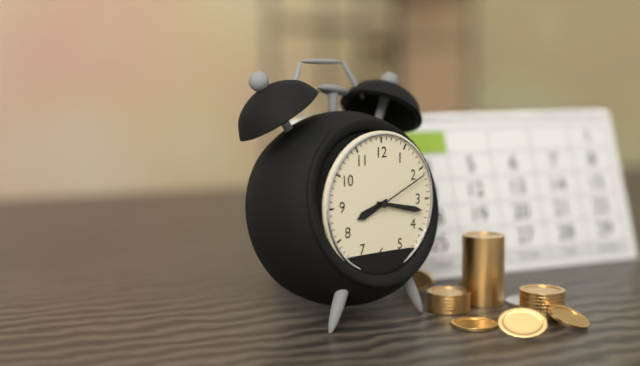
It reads **8:17:11**
